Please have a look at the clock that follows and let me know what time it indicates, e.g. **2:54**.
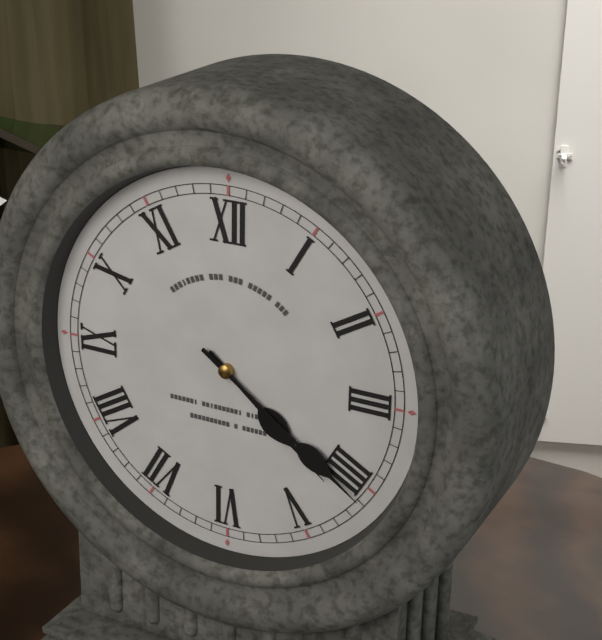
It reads **4:21**
